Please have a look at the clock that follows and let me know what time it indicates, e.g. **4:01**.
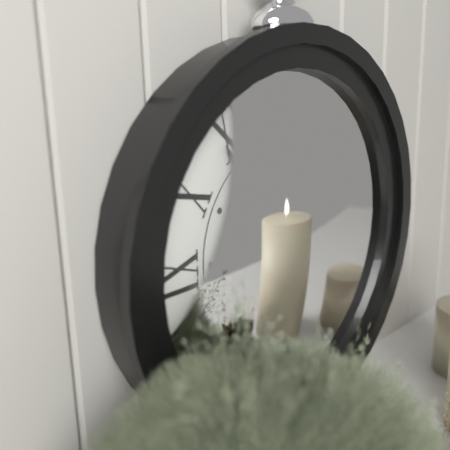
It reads **4:54**
